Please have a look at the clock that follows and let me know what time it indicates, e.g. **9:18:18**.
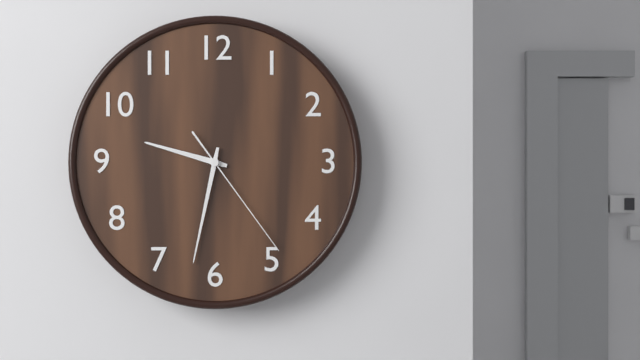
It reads **9:32:24**
